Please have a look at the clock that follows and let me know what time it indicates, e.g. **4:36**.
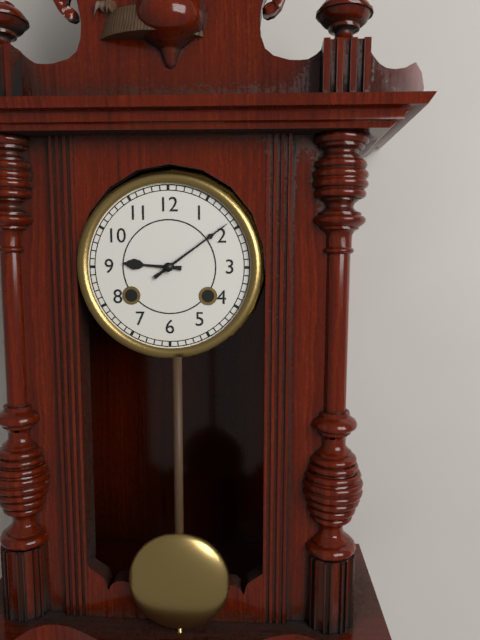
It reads **9:09**
